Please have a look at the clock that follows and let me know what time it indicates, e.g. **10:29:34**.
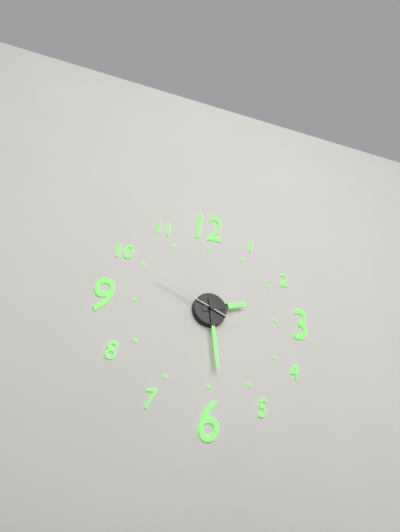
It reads **2:29:49**
